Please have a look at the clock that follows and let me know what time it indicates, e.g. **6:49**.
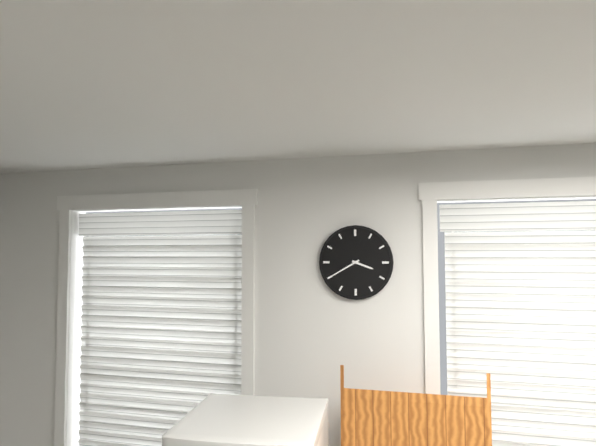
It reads **3:40**
